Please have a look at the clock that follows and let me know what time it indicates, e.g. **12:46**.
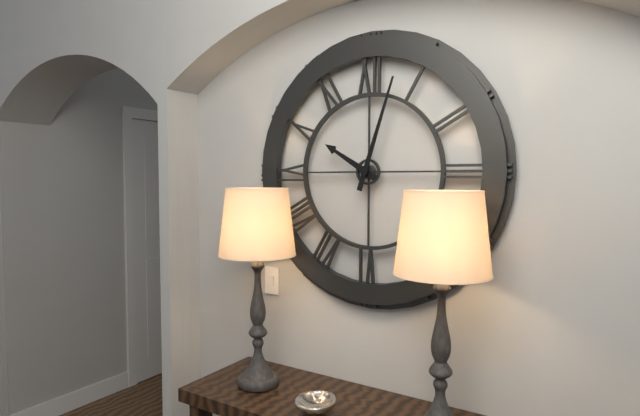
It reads **10:03**
